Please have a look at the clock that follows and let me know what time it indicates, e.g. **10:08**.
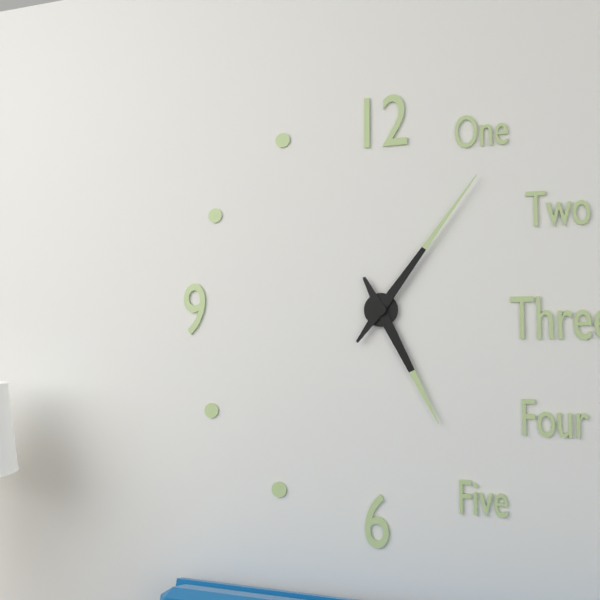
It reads **5:06**
